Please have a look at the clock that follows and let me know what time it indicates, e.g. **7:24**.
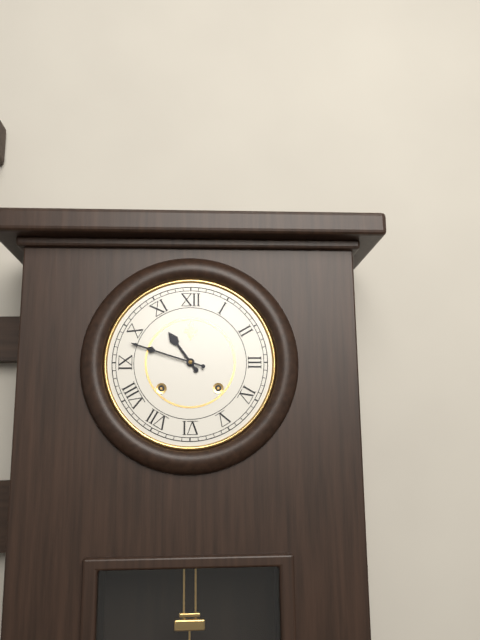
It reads **10:48**
